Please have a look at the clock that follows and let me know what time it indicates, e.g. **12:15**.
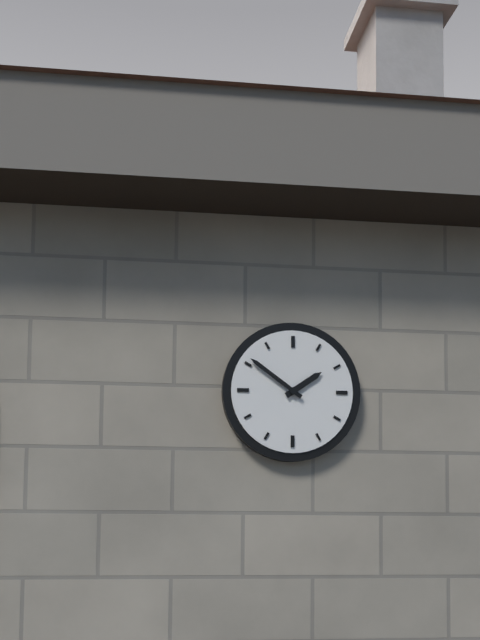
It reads **1:51**
